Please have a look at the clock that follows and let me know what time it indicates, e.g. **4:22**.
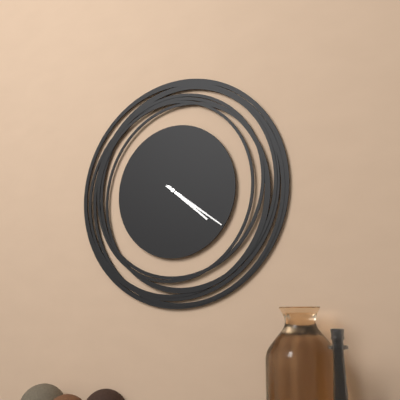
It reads **4:21**
